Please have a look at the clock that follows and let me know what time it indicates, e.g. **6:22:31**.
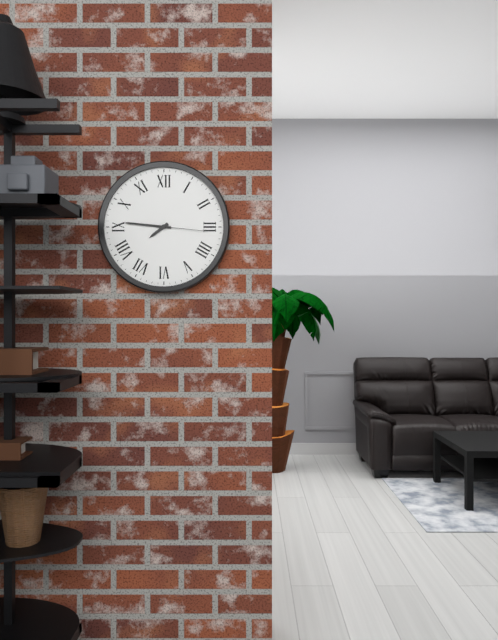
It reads **7:46:16**
